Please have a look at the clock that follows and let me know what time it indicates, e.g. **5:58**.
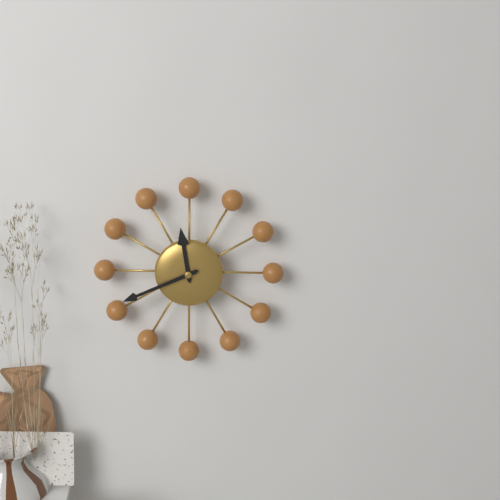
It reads **11:41**
